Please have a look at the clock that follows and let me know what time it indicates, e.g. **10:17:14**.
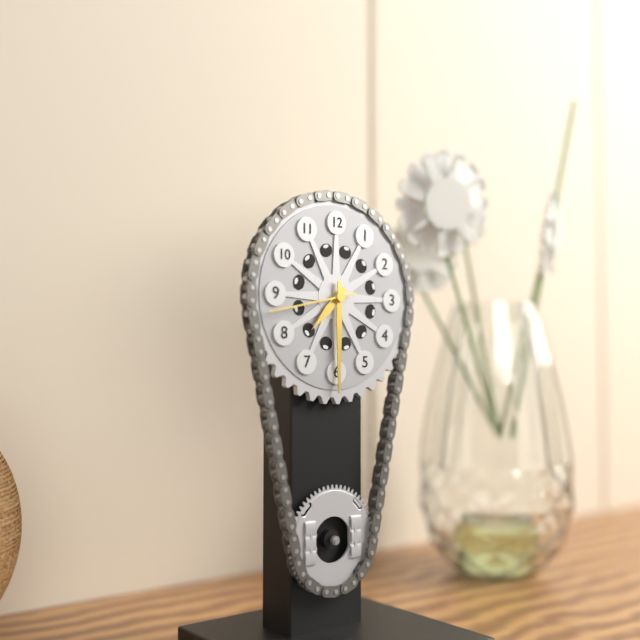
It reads **7:30:43**
